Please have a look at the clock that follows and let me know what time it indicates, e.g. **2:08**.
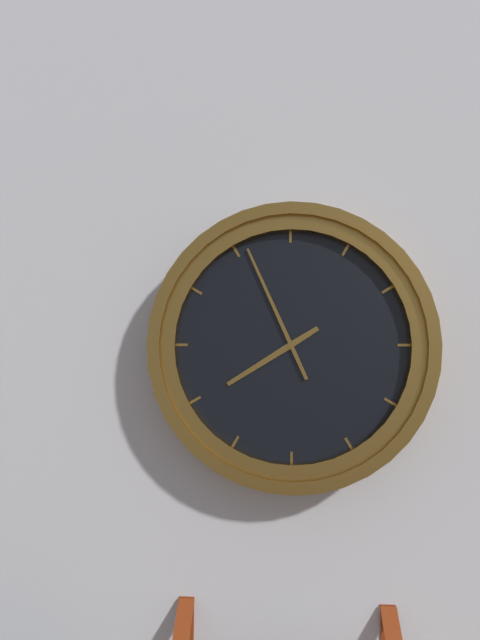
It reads **7:56**
